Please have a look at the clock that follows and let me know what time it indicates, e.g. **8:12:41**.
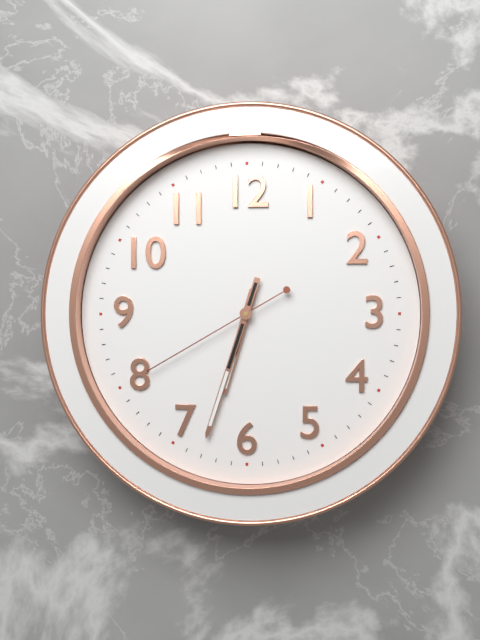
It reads **6:33:40**
